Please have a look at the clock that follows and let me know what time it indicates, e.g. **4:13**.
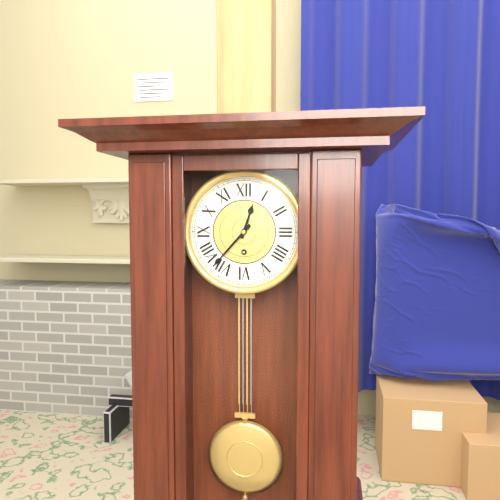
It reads **12:37**
